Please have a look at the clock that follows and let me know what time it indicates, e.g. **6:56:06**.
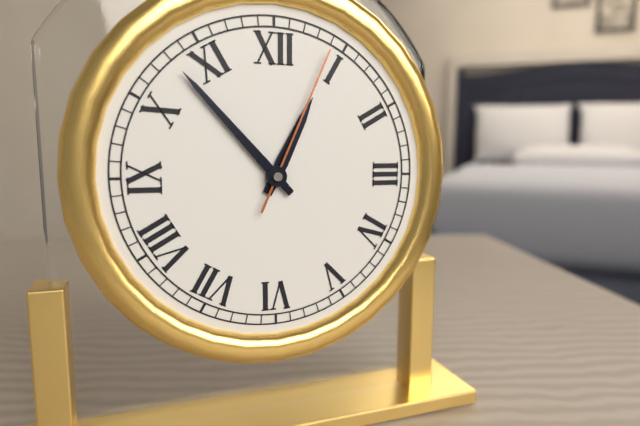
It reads **12:53:04**
